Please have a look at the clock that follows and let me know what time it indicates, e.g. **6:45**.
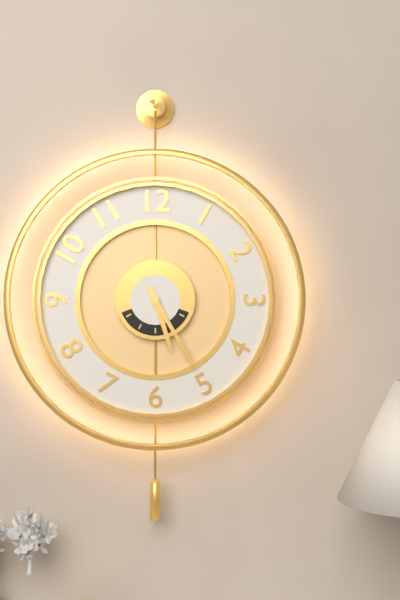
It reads **5:25**
